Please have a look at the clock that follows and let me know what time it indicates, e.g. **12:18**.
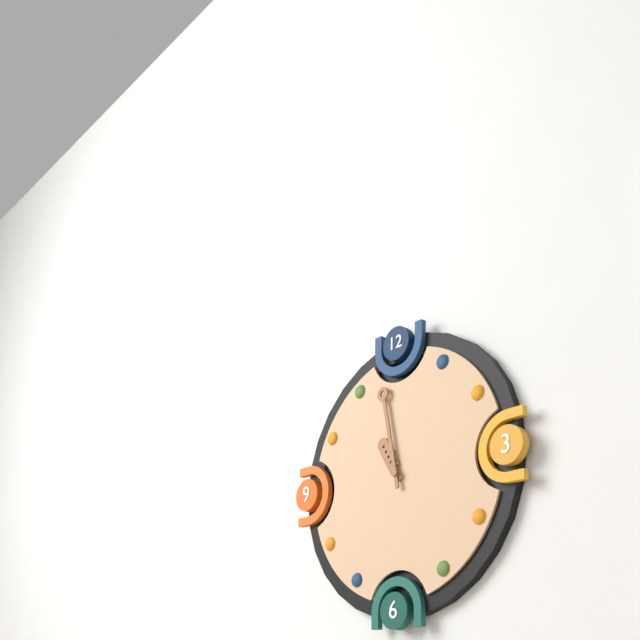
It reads **10:58**
